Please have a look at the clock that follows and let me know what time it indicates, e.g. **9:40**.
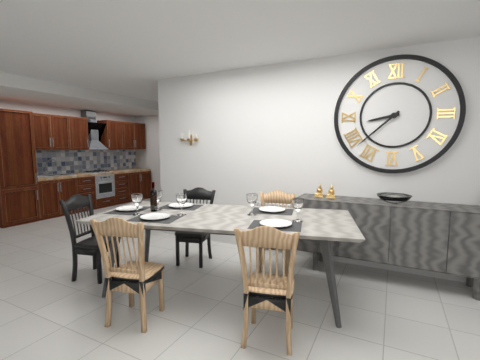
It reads **8:38**
